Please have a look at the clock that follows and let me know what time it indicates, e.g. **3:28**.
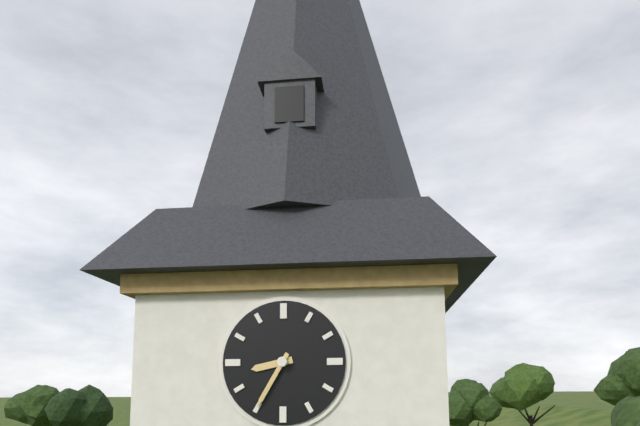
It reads **8:35**
